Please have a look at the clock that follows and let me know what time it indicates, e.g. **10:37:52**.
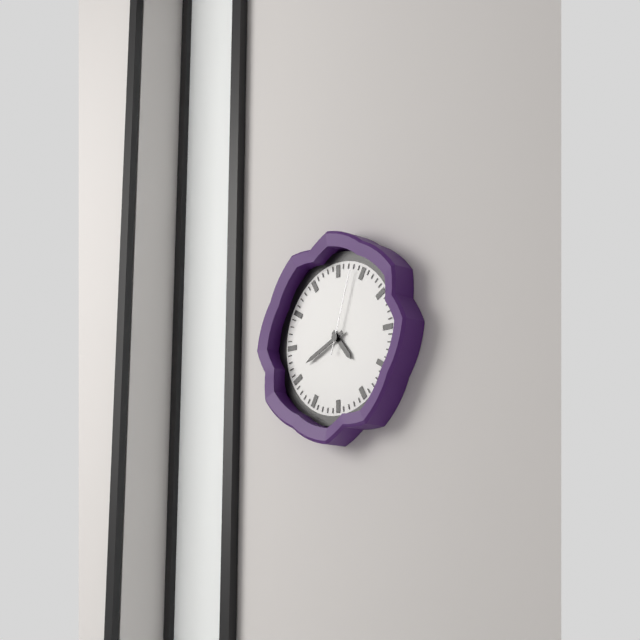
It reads **4:41:03**
